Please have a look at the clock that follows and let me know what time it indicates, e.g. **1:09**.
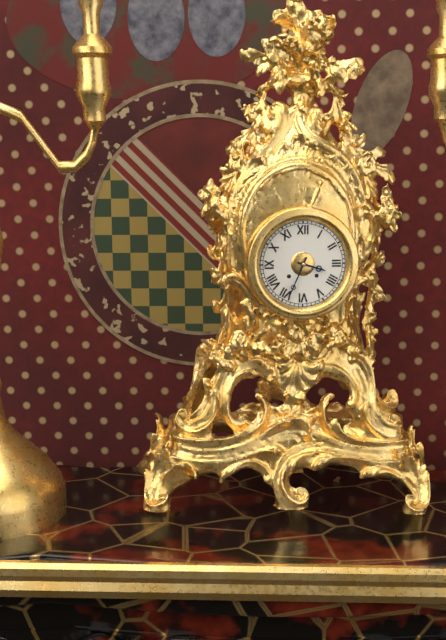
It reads **3:34**
